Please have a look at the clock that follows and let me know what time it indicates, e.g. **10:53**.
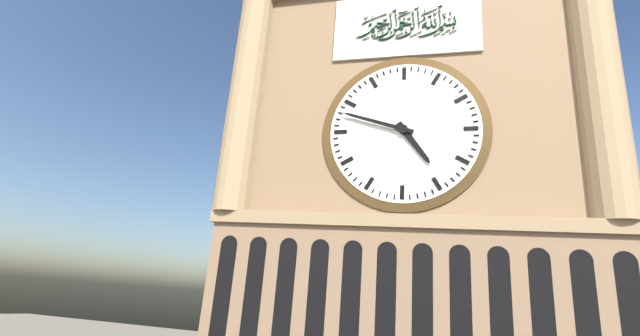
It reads **4:48**
